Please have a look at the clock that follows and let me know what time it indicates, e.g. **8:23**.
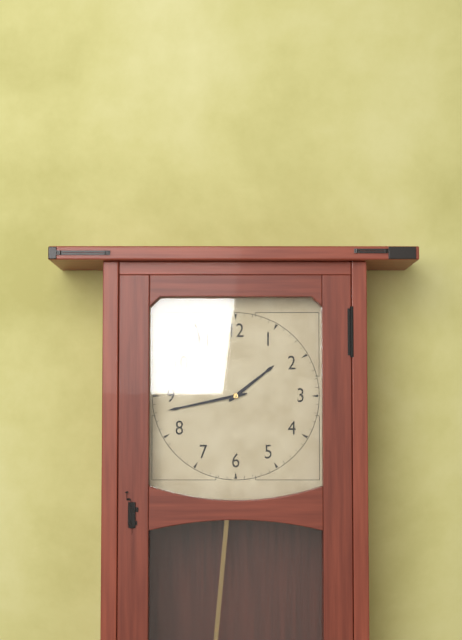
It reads **1:43**
